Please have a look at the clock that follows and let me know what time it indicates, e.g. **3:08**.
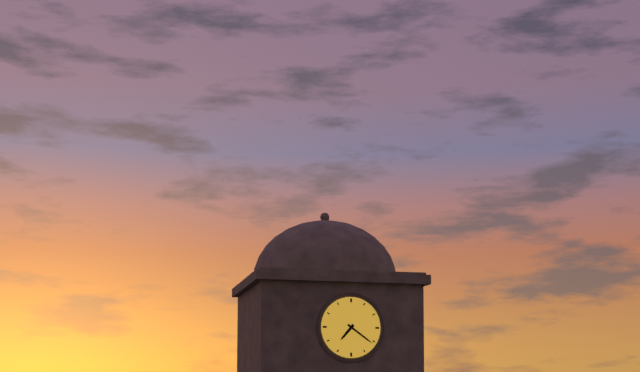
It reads **7:21**
